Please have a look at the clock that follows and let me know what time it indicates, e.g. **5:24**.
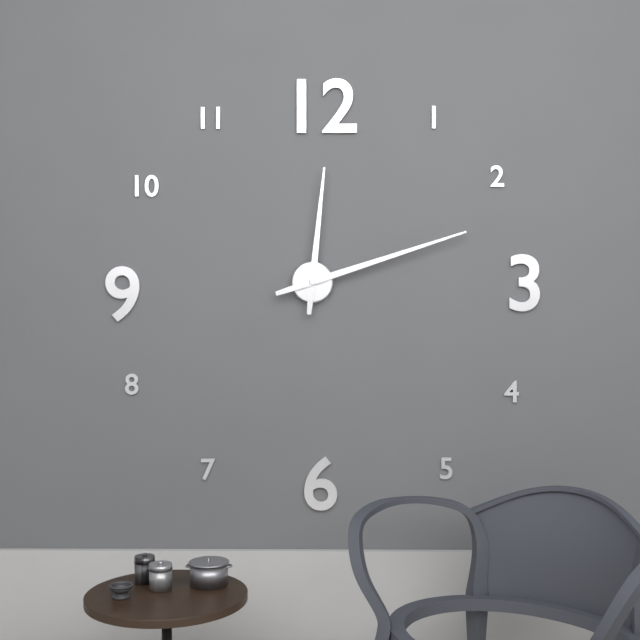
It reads **12:12**
